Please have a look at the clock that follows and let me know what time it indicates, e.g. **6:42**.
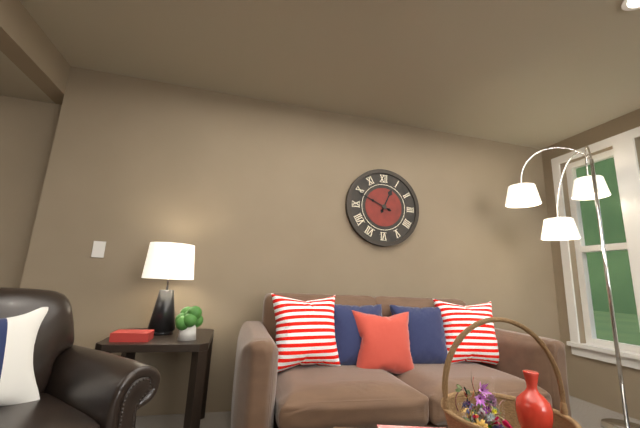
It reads **12:49**
